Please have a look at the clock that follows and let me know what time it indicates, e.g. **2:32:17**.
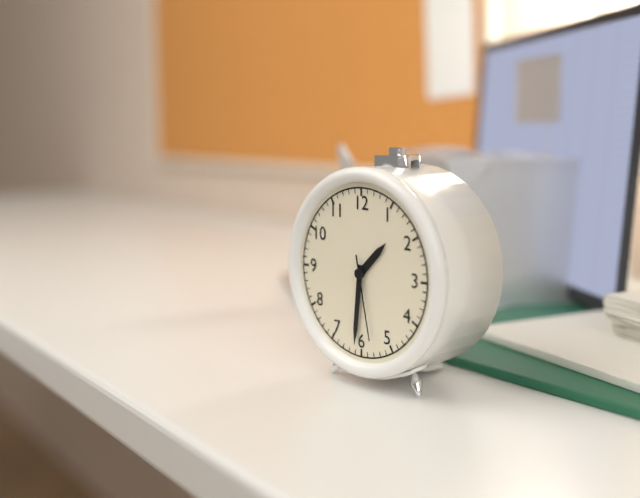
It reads **1:31:28**
